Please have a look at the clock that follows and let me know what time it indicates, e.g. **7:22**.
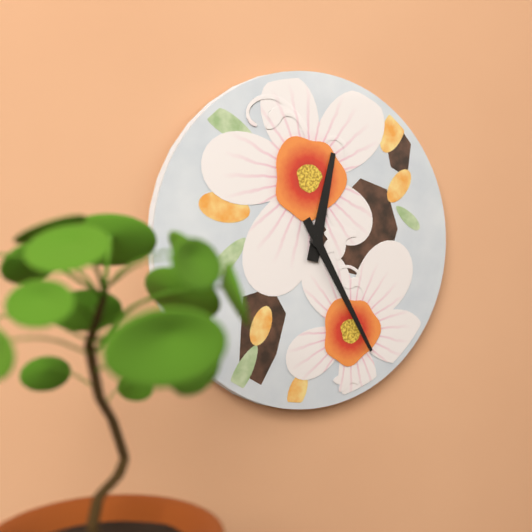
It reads **12:25**
